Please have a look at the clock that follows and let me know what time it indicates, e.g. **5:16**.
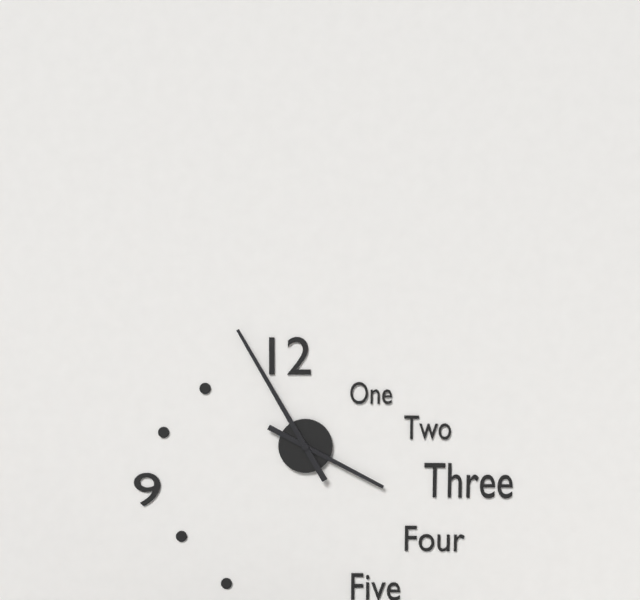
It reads **3:55**
